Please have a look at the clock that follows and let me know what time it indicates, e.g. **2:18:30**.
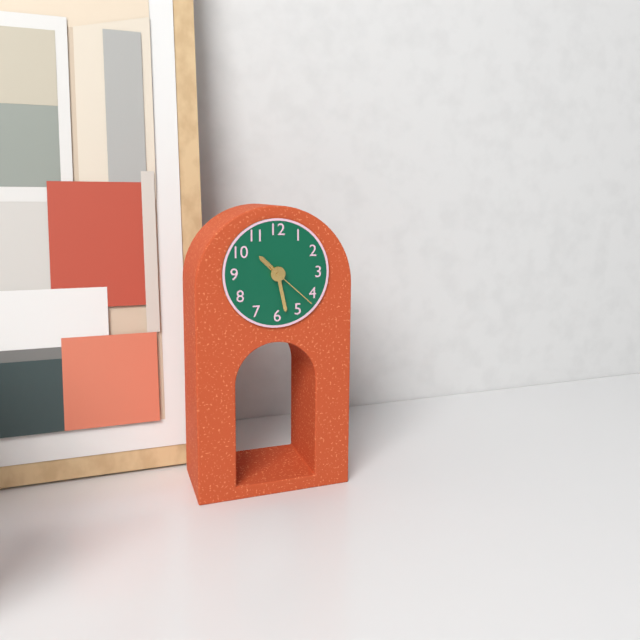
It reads **10:28:22**
